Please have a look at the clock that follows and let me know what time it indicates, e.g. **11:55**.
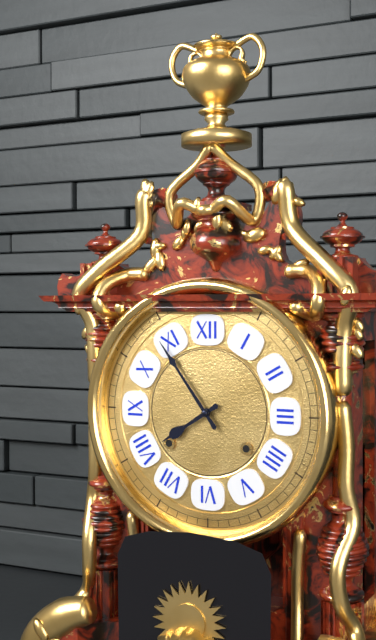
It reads **7:54**
